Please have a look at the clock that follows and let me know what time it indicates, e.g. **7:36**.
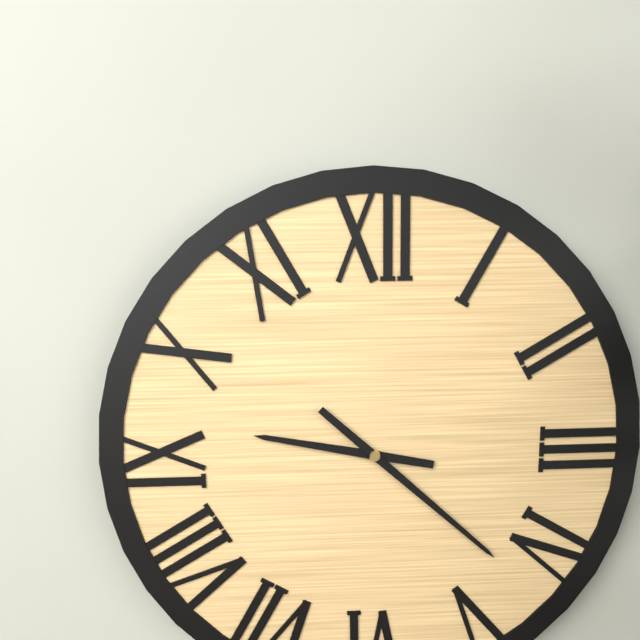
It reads **9:22**
